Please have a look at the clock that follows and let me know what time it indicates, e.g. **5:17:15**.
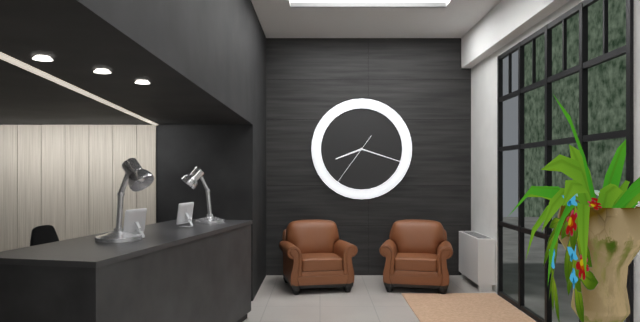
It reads **8:18:36**
